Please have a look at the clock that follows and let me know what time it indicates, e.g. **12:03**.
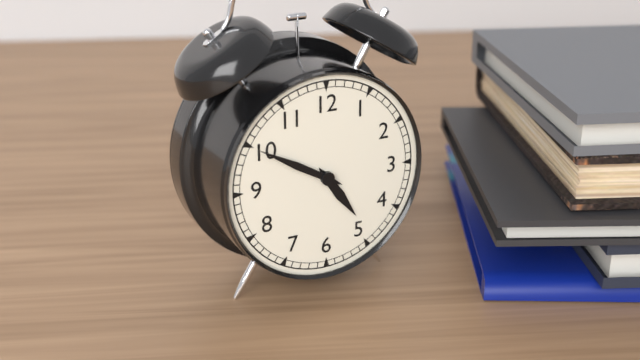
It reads **4:50**
